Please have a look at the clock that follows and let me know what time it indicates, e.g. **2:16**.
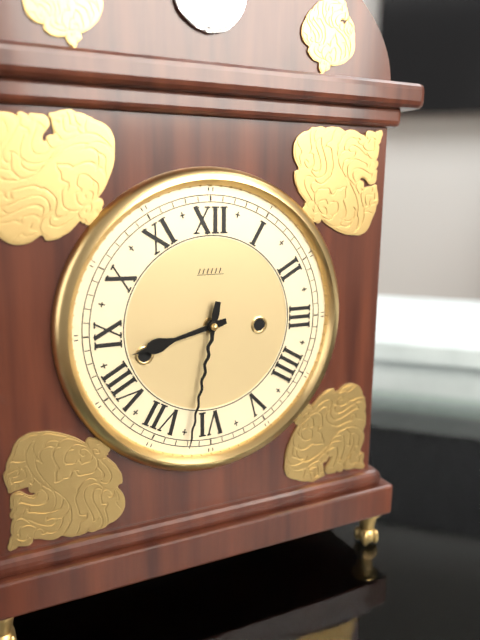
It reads **8:32**
